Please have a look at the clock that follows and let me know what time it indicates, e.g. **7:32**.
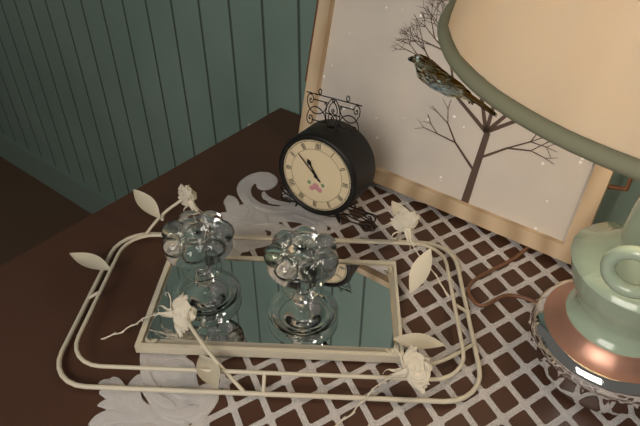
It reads **10:52**
